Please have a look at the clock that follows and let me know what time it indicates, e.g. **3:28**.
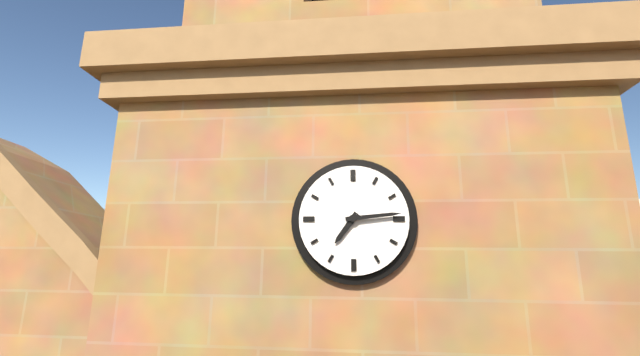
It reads **7:14**
